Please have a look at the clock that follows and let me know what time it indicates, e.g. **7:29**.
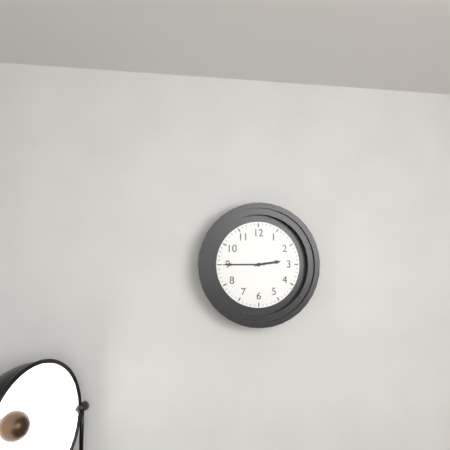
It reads **2:45**
